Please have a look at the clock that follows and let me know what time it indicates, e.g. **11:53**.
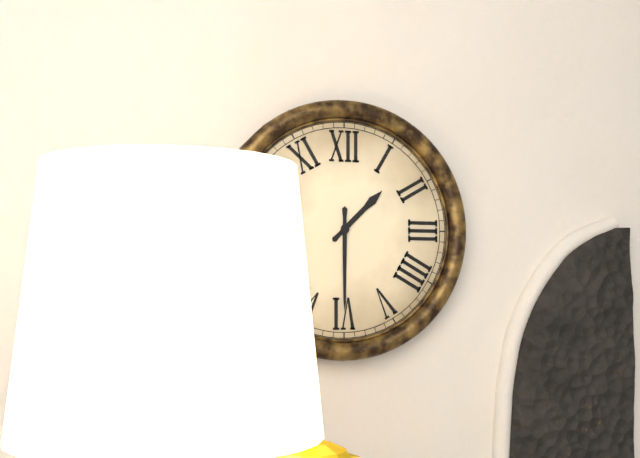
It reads **1:30**
